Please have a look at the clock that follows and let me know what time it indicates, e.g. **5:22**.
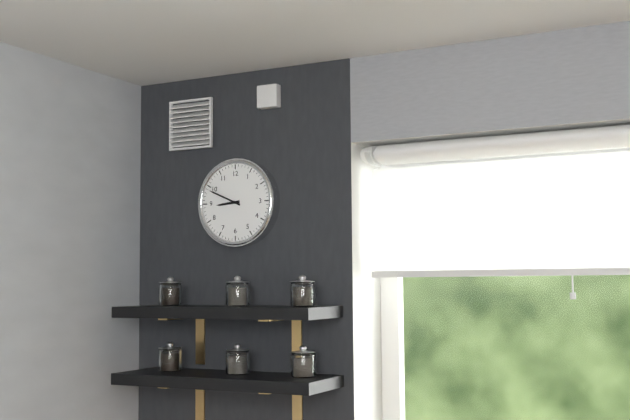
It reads **8:49**
